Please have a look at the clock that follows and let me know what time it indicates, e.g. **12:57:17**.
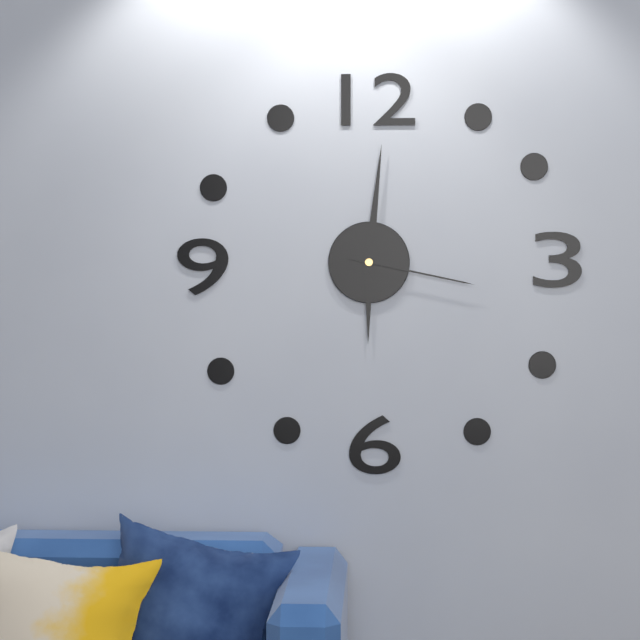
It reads **6:01:17**
